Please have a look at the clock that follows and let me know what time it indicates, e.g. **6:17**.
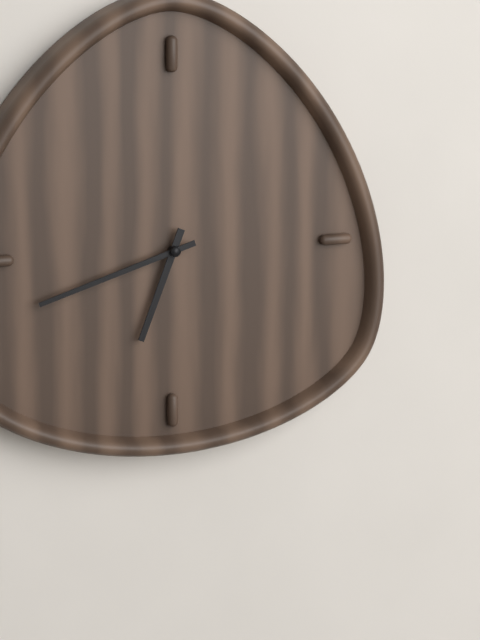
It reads **6:42**
